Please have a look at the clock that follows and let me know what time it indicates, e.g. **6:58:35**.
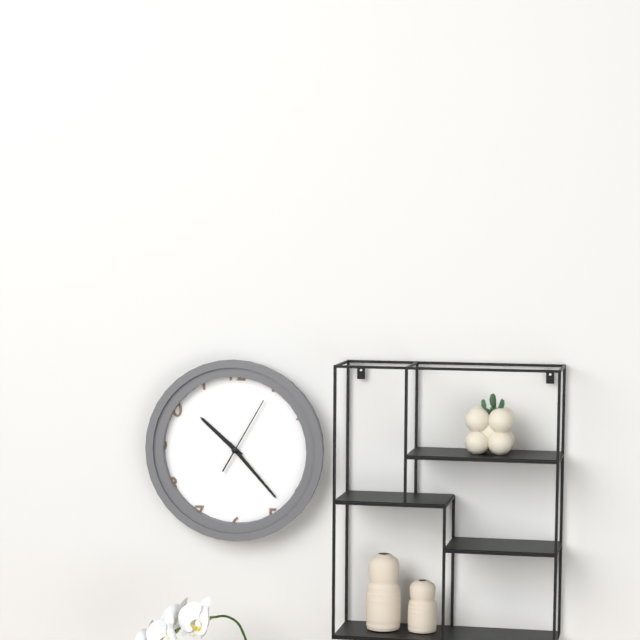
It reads **10:23:05**
